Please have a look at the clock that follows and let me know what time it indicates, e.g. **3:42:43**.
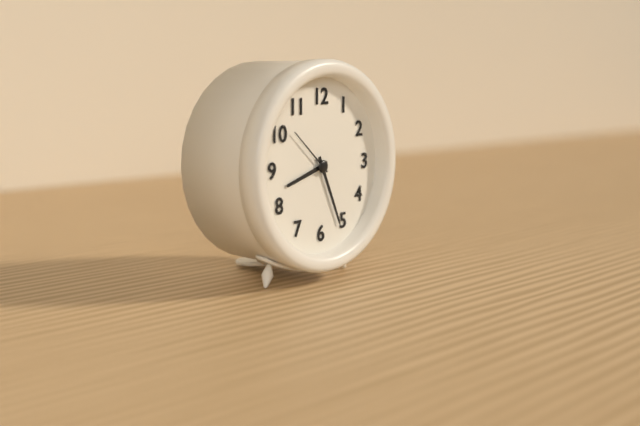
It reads **8:26:52**
